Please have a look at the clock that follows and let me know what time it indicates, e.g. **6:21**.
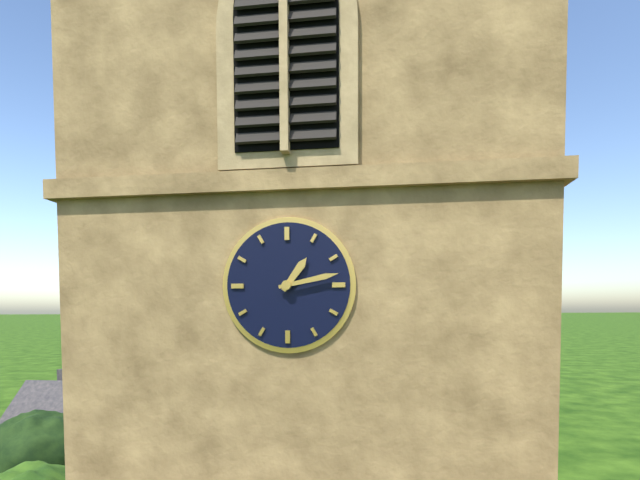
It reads **1:13**
